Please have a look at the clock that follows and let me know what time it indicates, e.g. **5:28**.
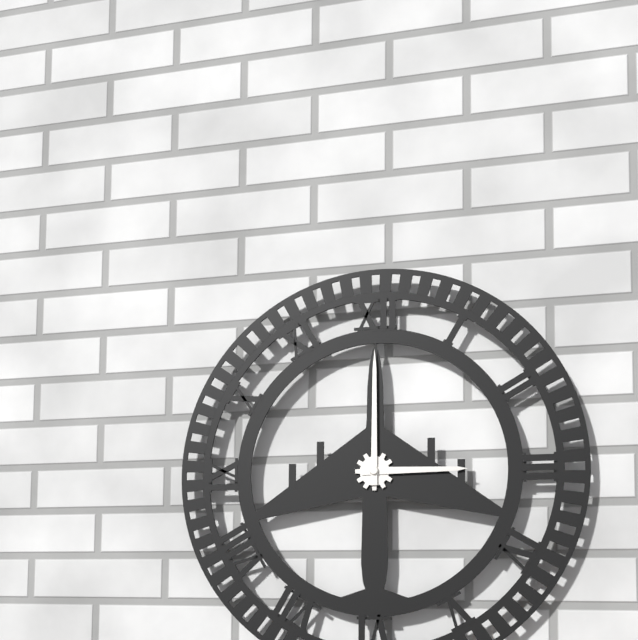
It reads **3:00**
